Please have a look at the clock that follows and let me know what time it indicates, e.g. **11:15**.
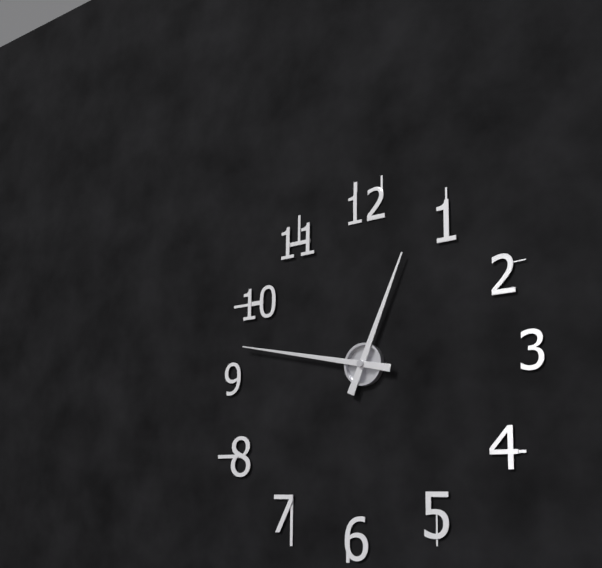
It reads **12:47**
